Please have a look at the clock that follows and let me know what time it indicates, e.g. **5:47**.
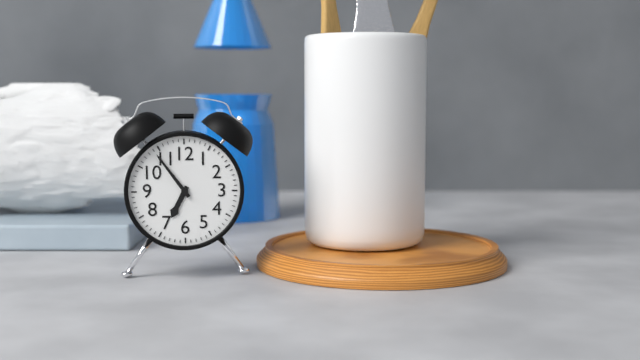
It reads **6:54**
